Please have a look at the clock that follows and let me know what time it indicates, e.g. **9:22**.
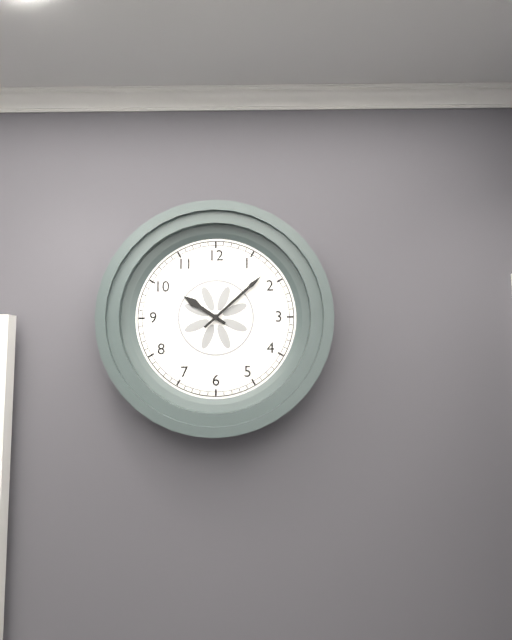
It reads **10:08**
